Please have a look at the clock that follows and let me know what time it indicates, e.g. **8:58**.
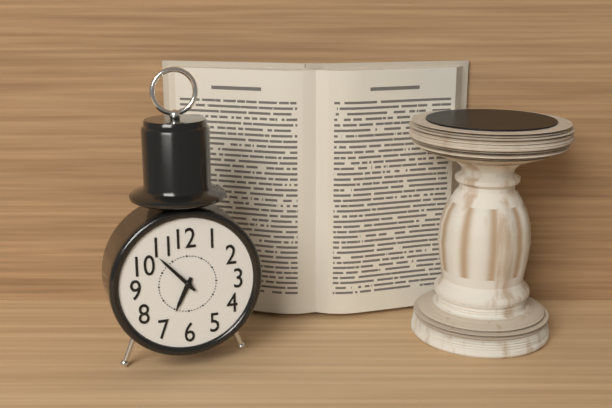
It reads **6:53**
